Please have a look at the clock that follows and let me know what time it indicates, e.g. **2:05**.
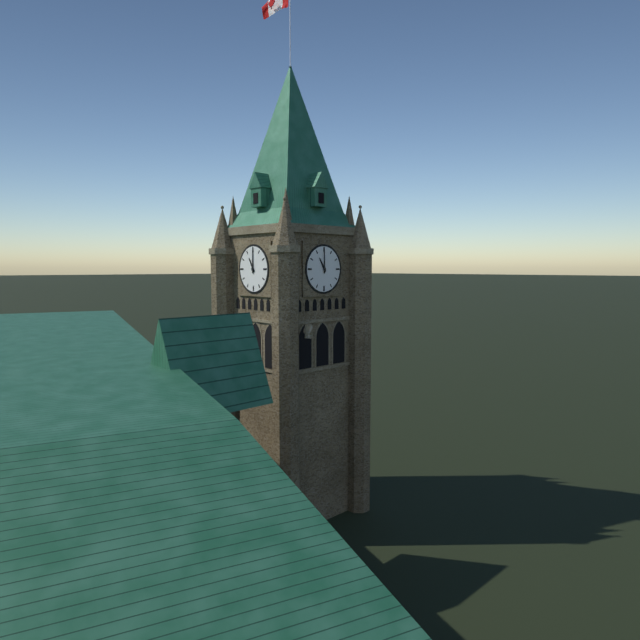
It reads **11:00**
